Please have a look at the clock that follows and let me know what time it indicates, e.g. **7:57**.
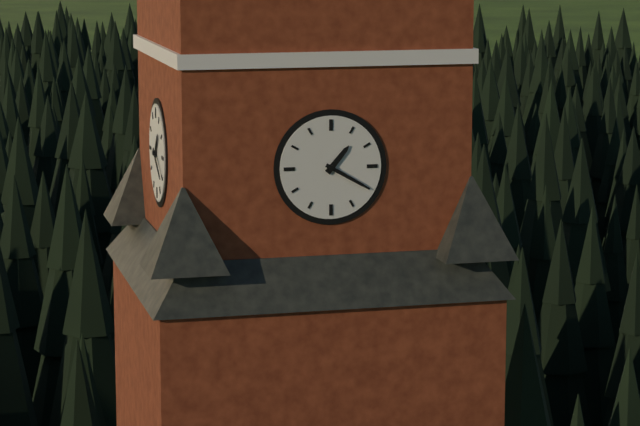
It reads **1:20**
